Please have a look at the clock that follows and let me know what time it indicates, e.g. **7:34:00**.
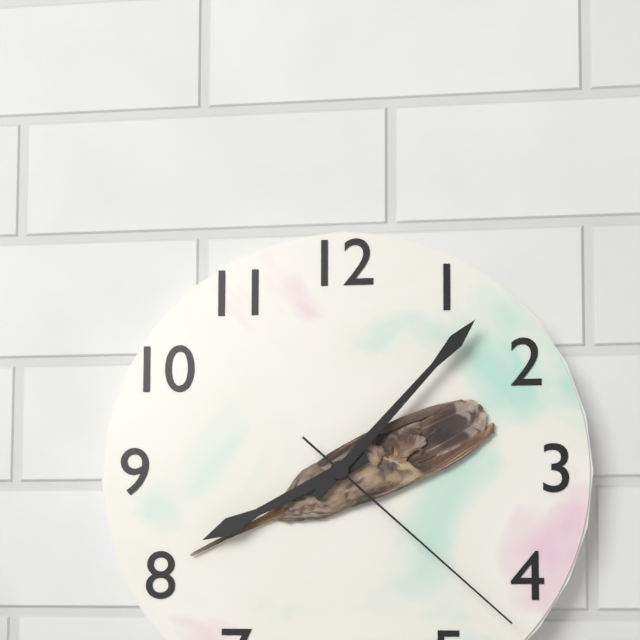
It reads **8:07:22**
